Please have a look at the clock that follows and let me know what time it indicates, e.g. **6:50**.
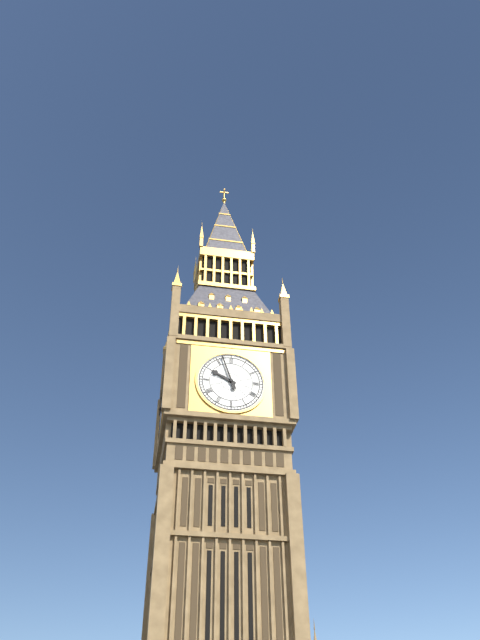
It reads **9:57**
